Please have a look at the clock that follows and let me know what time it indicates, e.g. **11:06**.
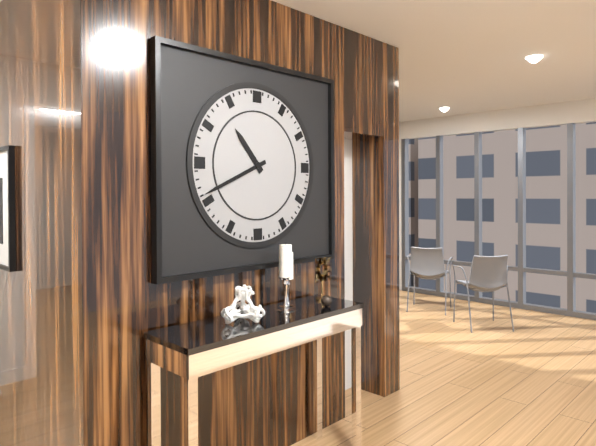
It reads **10:41**
